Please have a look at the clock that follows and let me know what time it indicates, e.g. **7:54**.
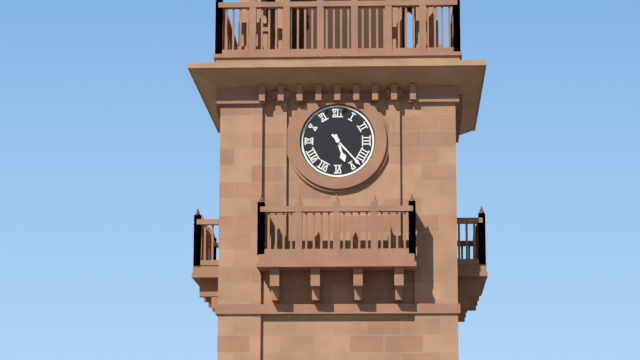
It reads **5:23**
